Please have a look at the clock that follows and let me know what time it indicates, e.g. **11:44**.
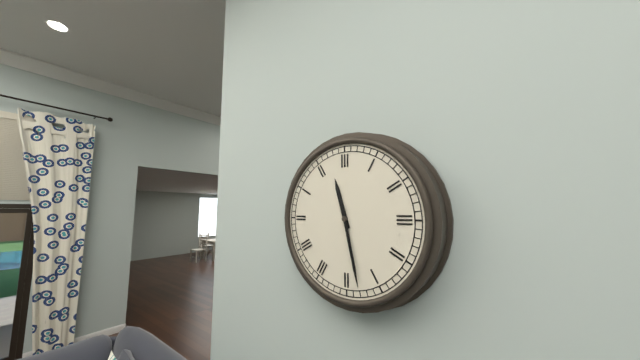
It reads **11:28**
